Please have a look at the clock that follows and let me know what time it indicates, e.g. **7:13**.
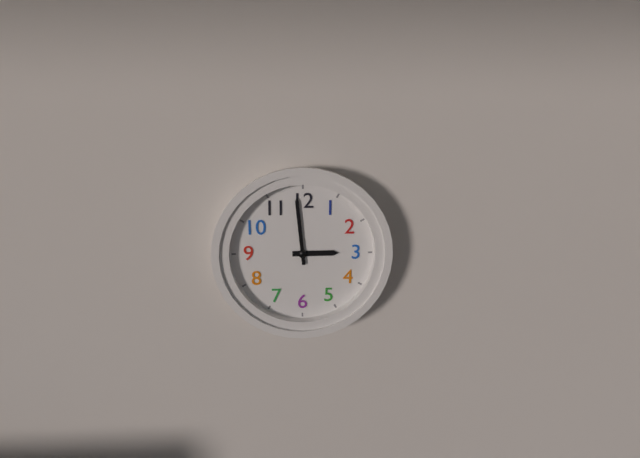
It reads **2:59**
